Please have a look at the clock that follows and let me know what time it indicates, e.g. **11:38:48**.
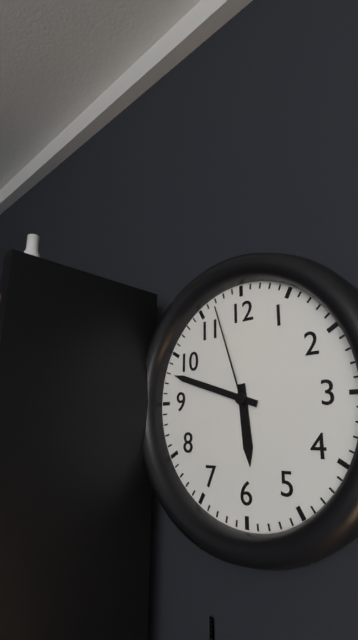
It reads **5:48:57**
